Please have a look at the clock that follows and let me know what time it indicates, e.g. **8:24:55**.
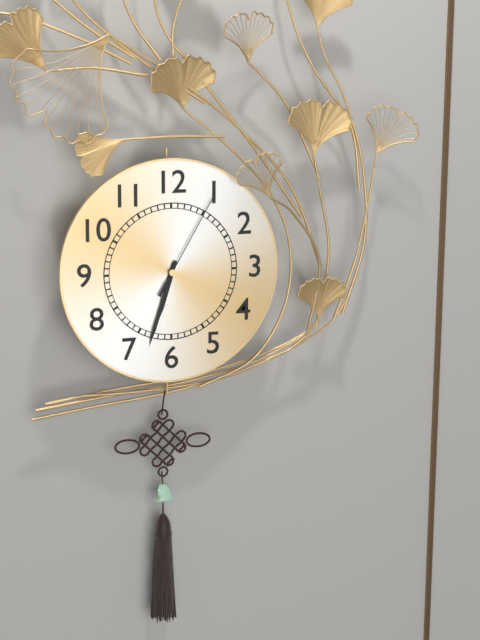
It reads **6:33:05**
